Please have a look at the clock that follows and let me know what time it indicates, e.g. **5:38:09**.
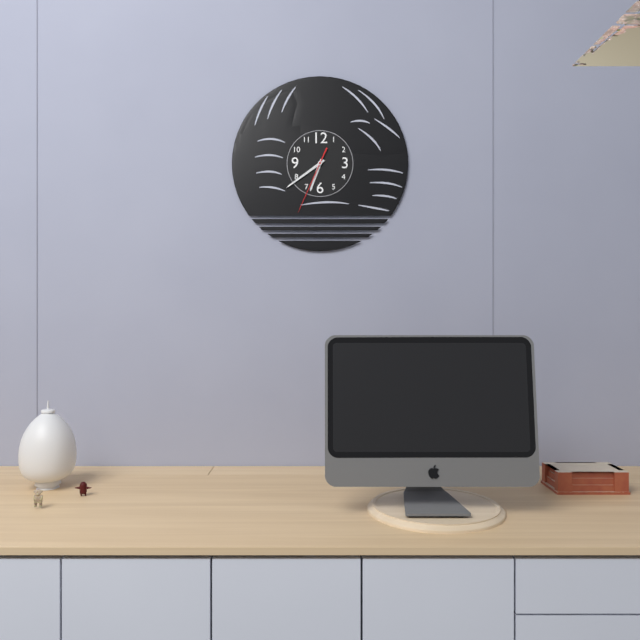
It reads **6:39:34**
